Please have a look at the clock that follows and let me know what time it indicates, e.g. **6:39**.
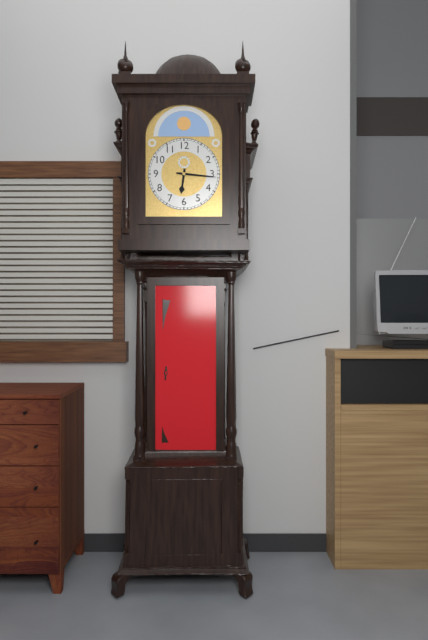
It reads **6:16**
